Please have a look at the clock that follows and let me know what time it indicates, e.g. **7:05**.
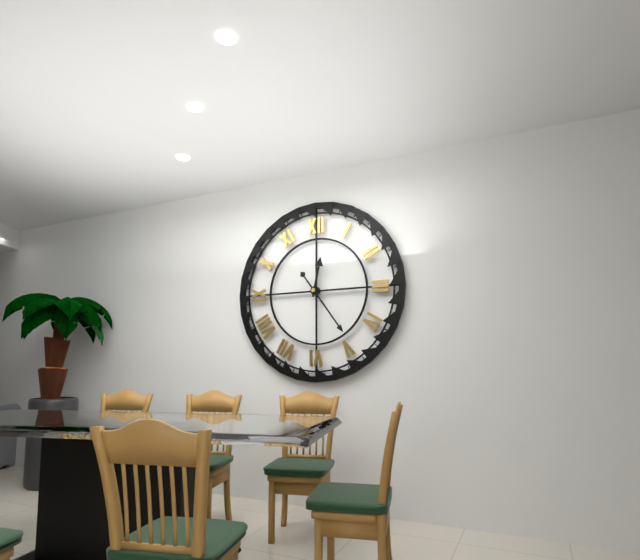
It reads **12:24**
